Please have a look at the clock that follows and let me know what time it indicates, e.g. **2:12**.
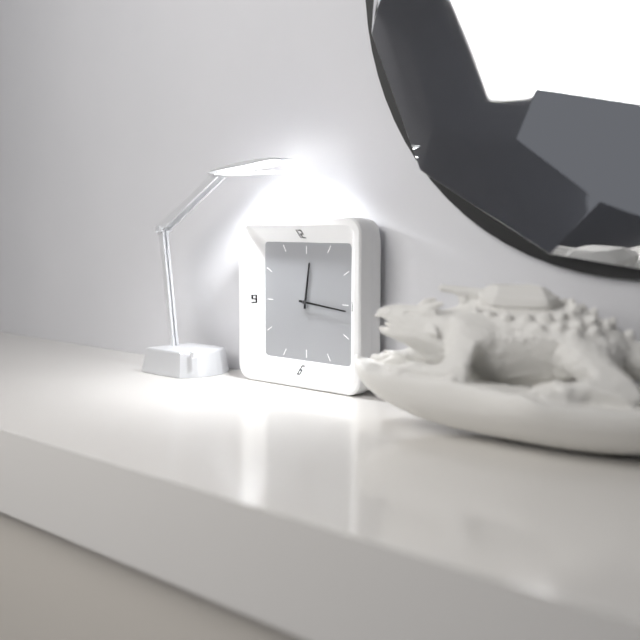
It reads **12:16**
